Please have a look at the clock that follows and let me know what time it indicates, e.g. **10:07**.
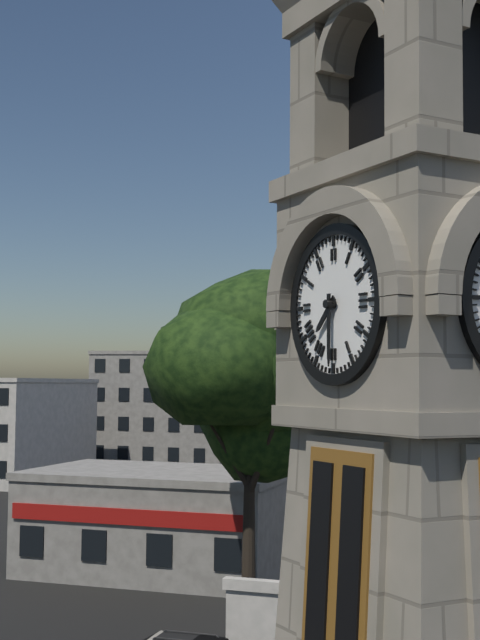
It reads **7:30**
